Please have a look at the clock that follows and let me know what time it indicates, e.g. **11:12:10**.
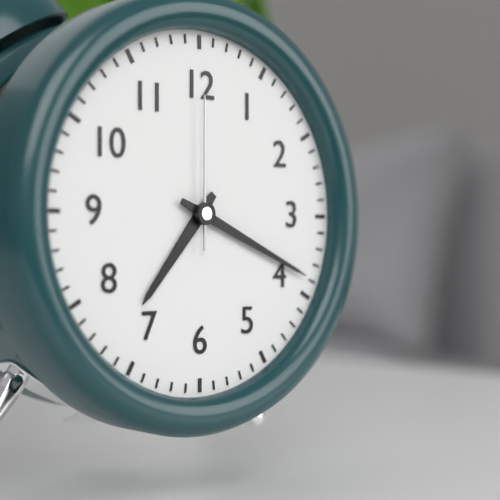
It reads **7:19:00**
